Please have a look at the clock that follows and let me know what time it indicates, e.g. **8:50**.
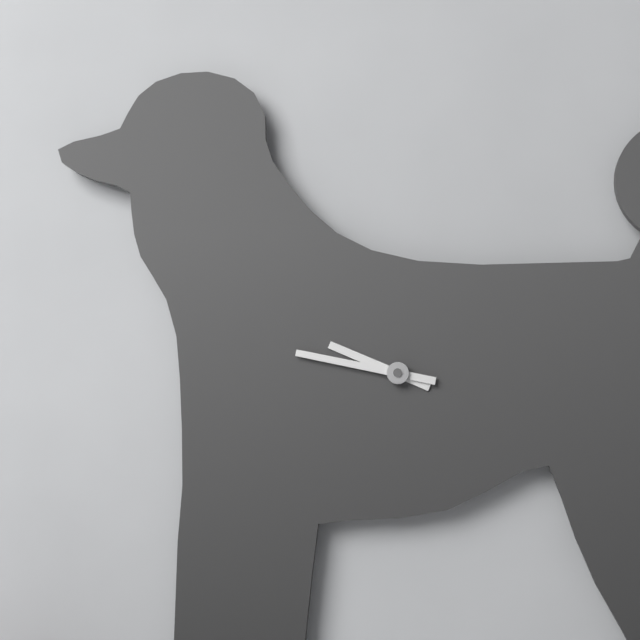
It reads **9:47**
